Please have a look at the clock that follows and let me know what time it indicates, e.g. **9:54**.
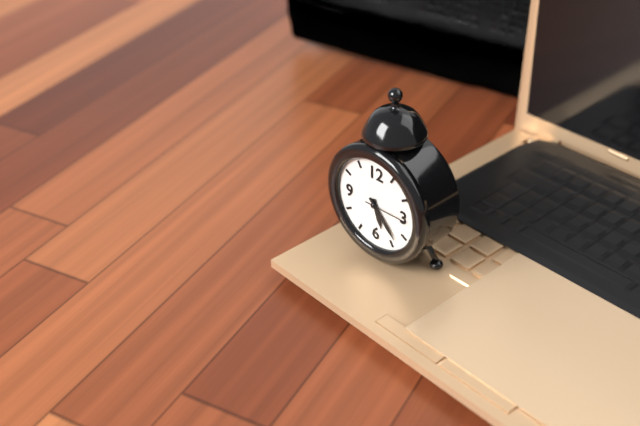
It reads **5:23**
